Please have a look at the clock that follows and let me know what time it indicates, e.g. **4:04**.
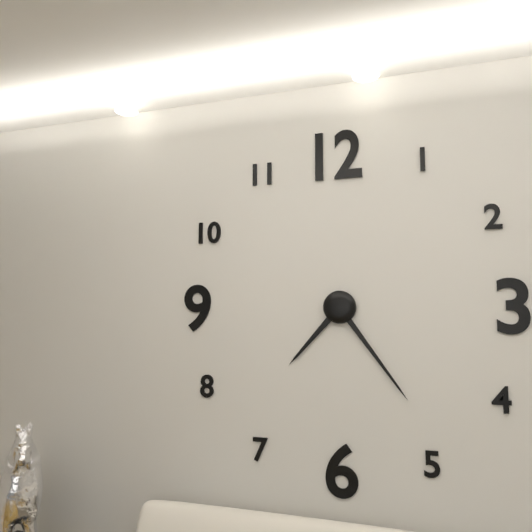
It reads **7:24**
